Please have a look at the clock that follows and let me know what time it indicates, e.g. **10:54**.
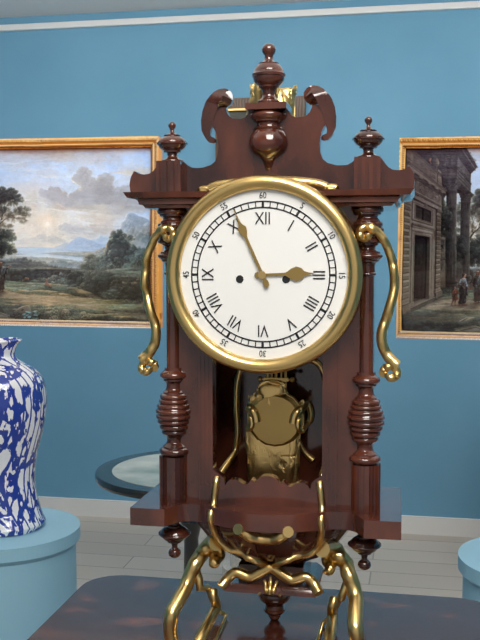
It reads **2:56**
